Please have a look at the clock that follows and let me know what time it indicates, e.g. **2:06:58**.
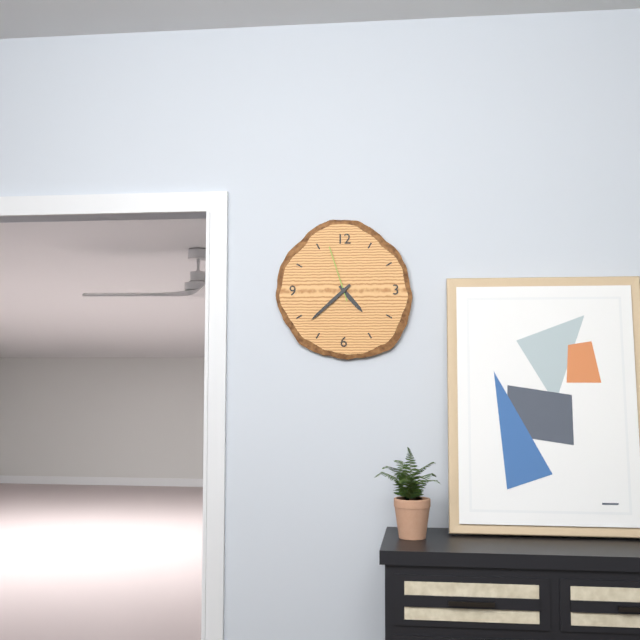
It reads **4:38:57**
